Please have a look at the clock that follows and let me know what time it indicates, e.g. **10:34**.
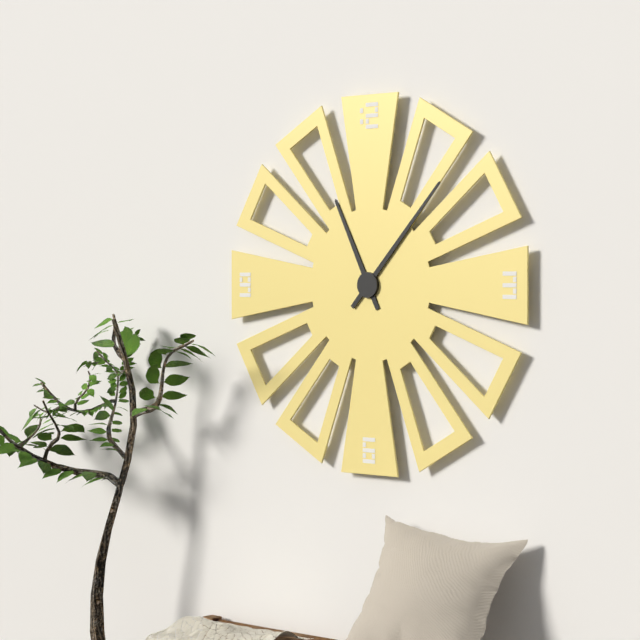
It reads **11:07**
